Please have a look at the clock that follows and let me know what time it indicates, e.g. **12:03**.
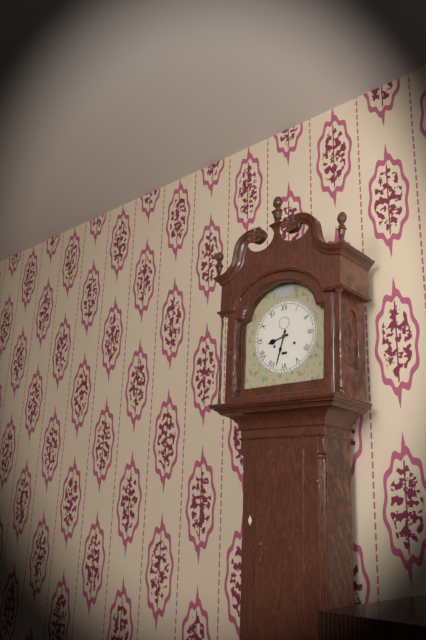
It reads **8:33**
